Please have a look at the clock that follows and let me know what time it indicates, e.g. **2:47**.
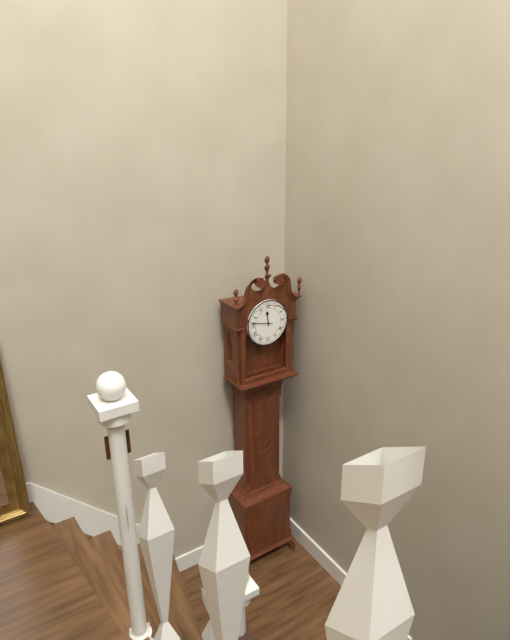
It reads **11:47**
